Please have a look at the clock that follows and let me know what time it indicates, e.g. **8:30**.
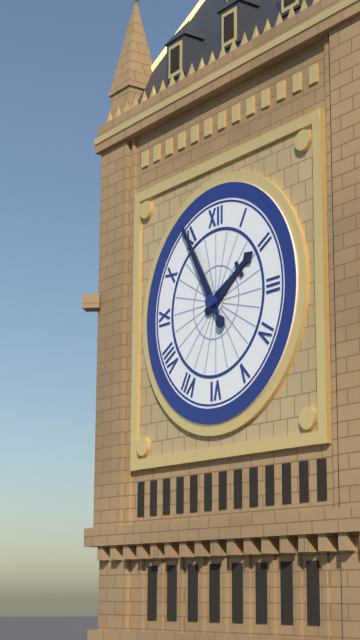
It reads **1:55**
